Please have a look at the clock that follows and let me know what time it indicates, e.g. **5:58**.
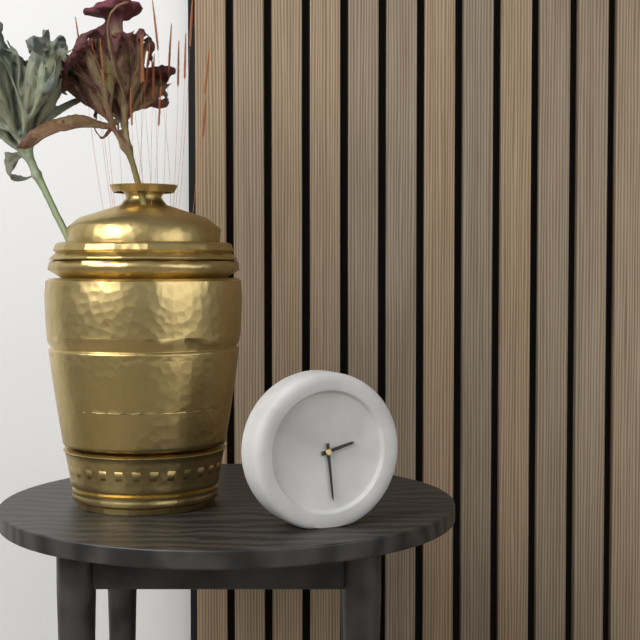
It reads **2:29**
